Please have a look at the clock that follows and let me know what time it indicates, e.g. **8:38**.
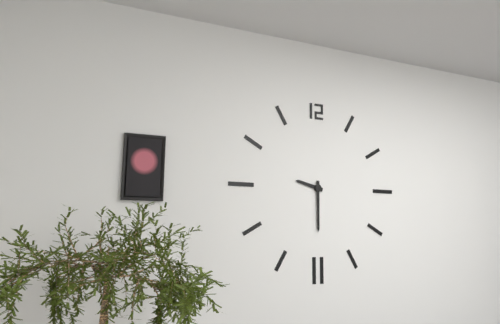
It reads **9:30**
